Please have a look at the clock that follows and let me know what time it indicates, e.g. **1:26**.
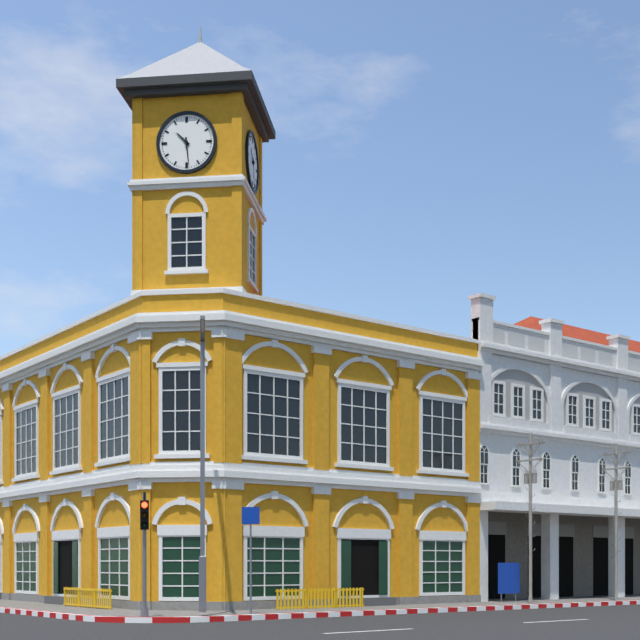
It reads **10:29**
